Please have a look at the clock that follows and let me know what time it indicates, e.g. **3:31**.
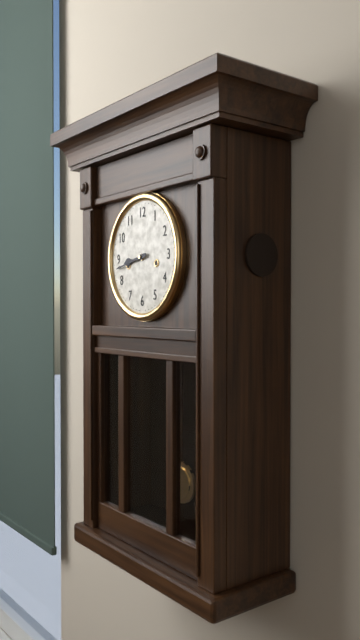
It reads **8:43**
